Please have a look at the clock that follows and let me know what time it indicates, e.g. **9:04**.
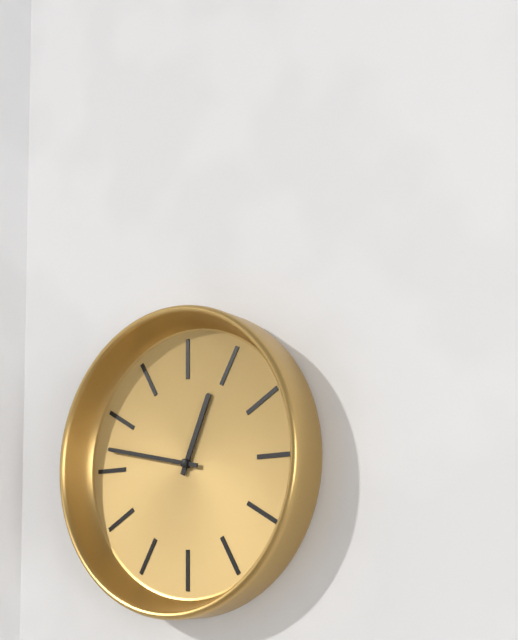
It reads **12:47**
